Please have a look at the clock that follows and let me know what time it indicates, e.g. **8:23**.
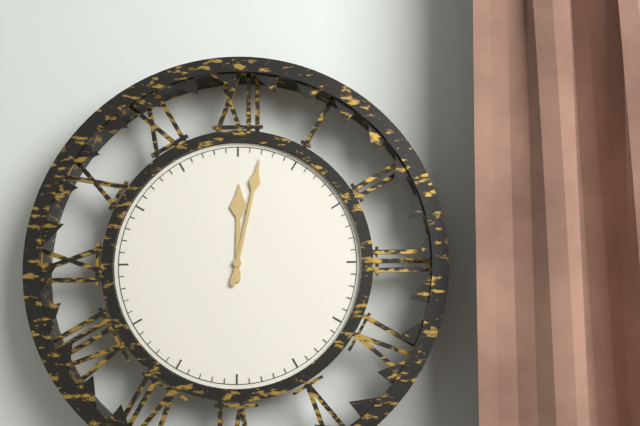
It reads **12:02**
